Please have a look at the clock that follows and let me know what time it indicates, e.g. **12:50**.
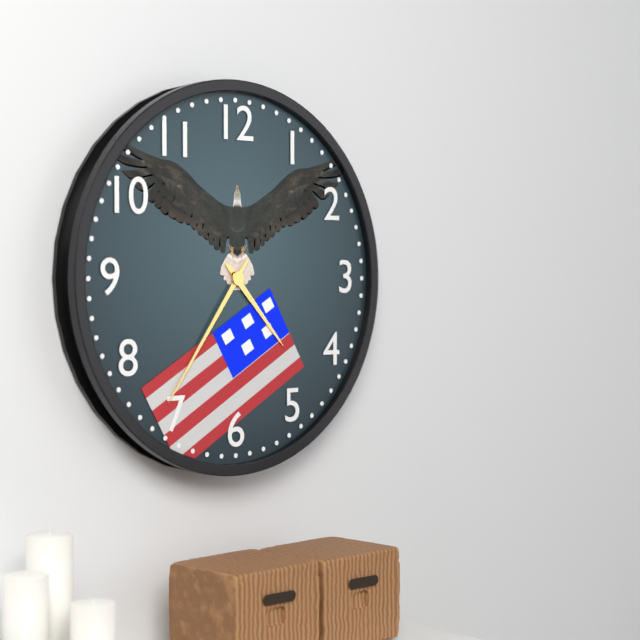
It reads **4:36**
